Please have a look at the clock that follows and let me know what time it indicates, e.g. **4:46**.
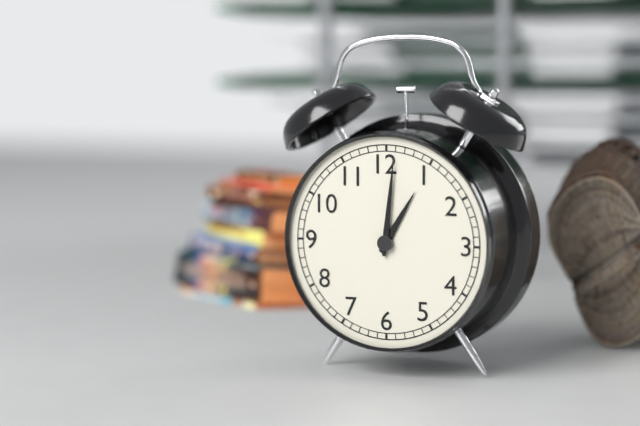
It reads **1:01**
